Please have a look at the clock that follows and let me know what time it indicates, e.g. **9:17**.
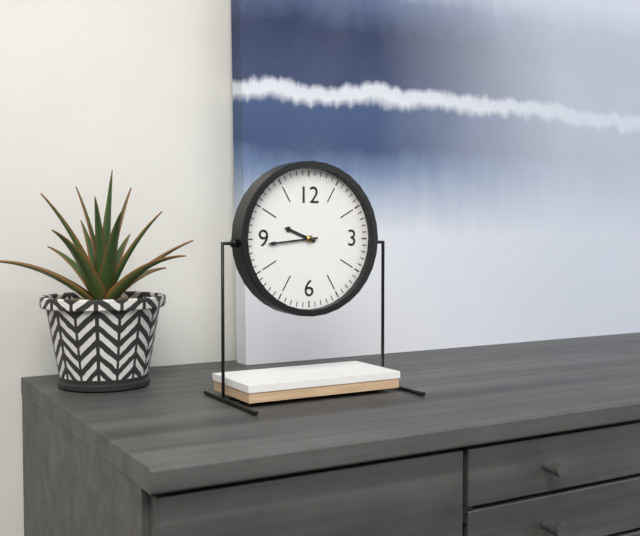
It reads **9:44**
